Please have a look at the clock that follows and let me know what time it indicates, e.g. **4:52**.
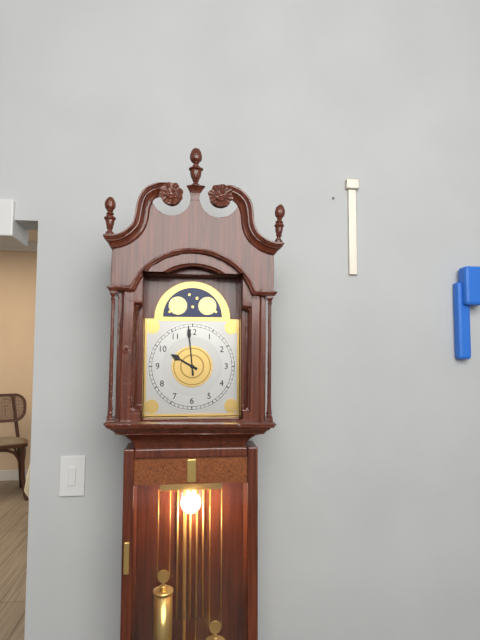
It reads **9:59**
